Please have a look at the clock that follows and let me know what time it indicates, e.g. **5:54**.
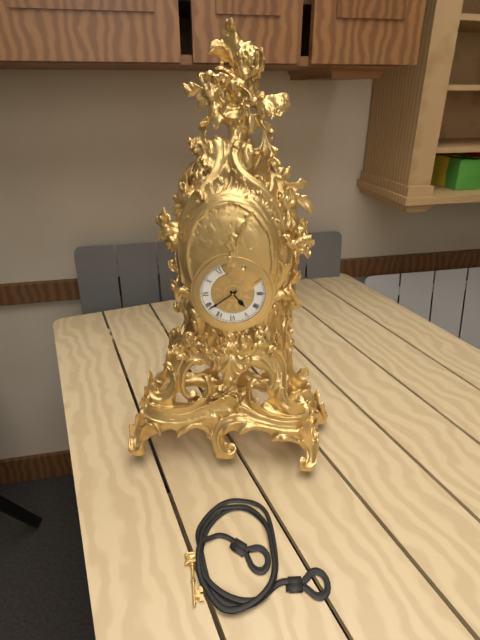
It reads **4:39**
